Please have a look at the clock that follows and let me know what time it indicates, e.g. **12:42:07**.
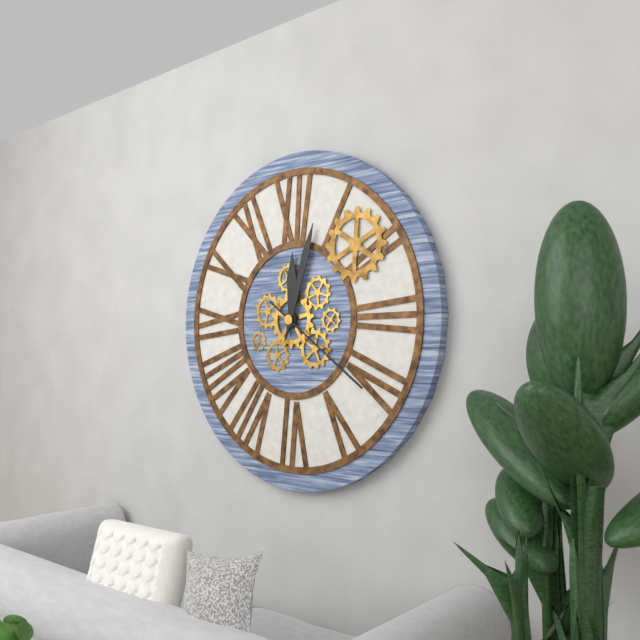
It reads **12:03:21**
